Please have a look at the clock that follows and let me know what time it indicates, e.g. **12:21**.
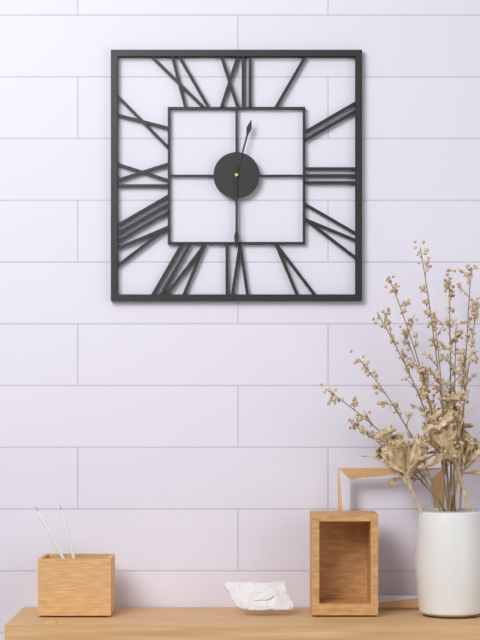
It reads **12:30**
